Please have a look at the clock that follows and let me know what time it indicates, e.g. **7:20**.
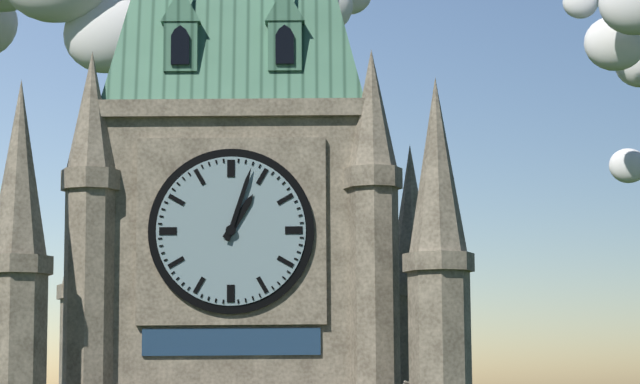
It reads **1:03**
